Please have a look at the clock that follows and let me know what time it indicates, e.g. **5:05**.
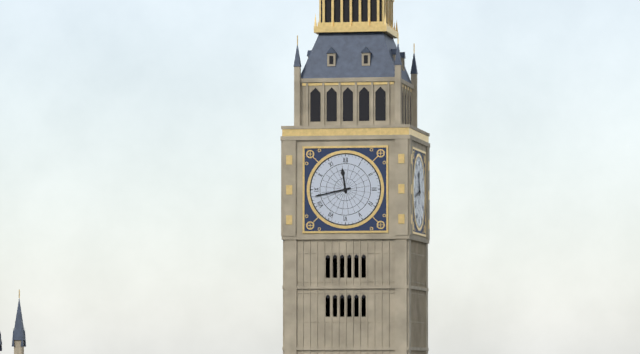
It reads **11:43**
